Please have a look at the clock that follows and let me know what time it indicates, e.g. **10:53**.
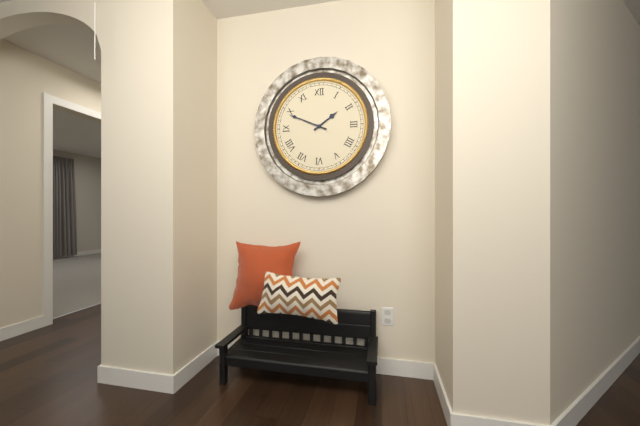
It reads **1:49**
